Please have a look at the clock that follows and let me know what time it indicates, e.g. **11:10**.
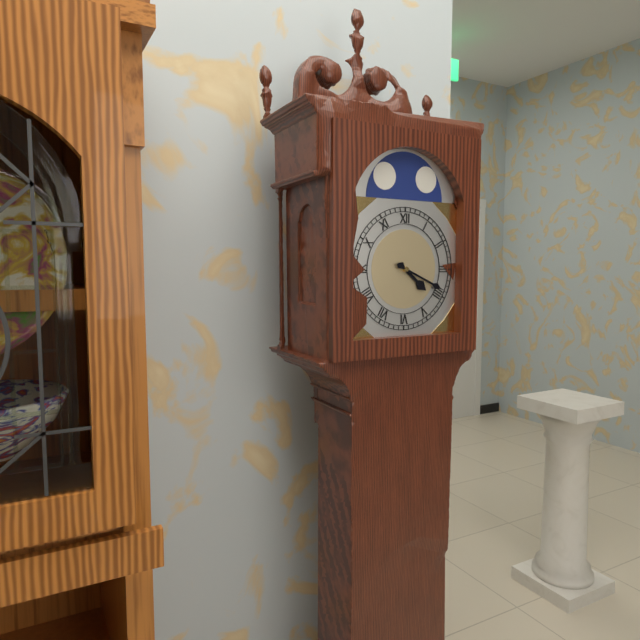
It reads **4:19**
